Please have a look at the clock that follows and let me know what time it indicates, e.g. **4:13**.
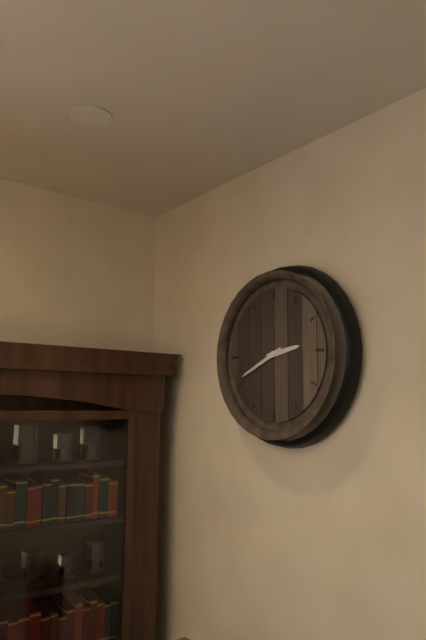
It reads **2:41**
